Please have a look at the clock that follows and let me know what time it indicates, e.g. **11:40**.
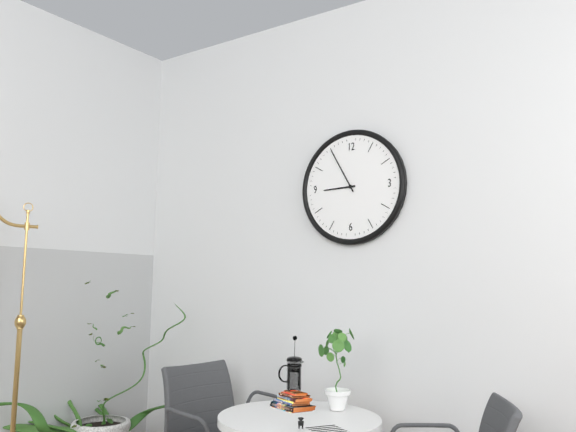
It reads **8:55**
